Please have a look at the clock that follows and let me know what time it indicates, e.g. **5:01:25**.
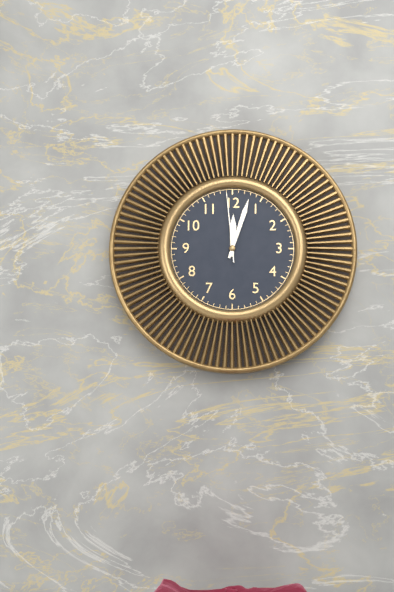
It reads **12:03:59**
